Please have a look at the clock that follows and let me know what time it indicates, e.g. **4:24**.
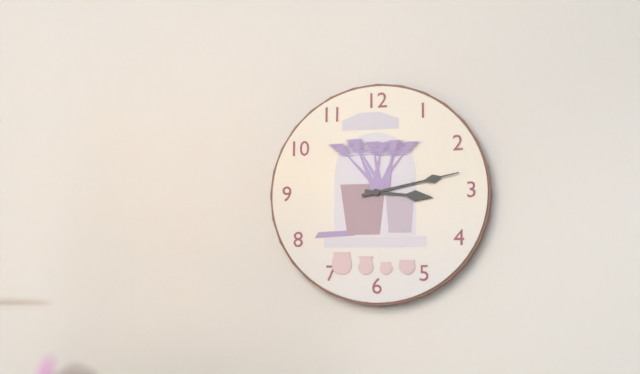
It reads **3:13**
